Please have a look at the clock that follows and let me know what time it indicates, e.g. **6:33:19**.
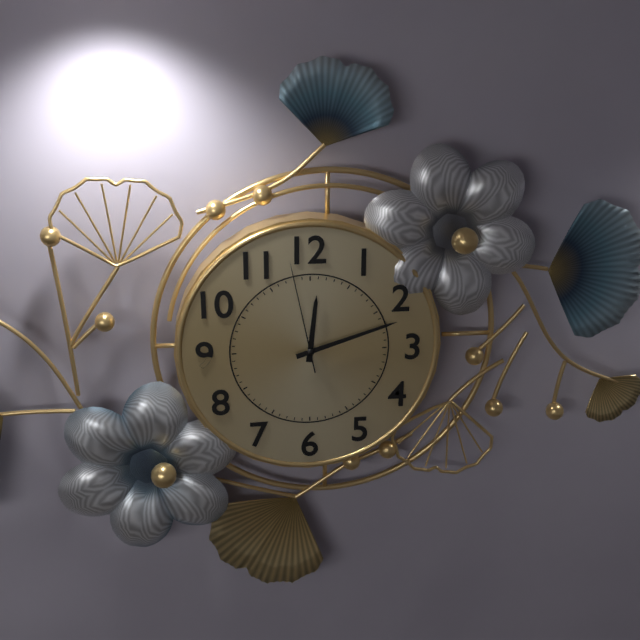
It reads **12:12:58**
